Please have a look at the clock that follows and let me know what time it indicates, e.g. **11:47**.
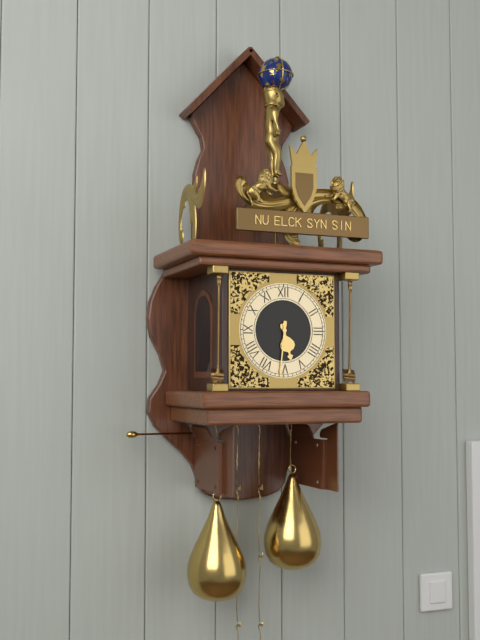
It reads **5:31**
